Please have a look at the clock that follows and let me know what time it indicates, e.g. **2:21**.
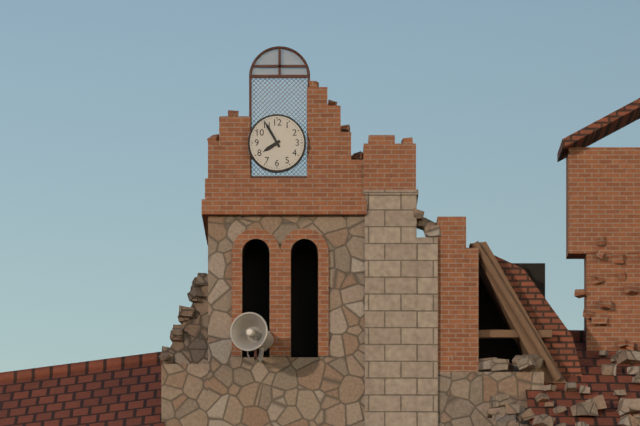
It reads **7:55**
